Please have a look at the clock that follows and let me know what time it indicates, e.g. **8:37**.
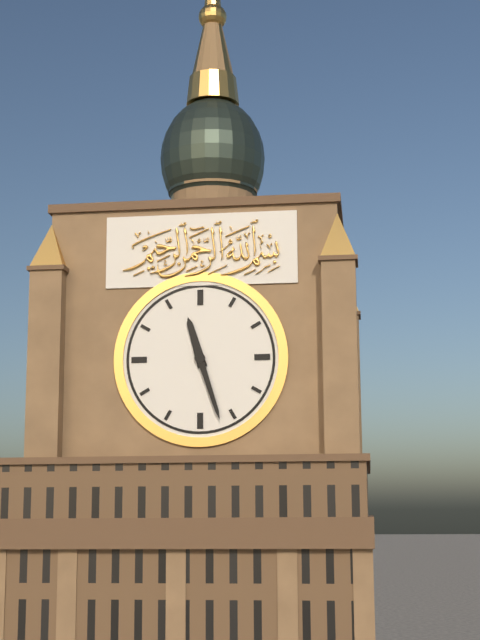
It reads **11:27**
